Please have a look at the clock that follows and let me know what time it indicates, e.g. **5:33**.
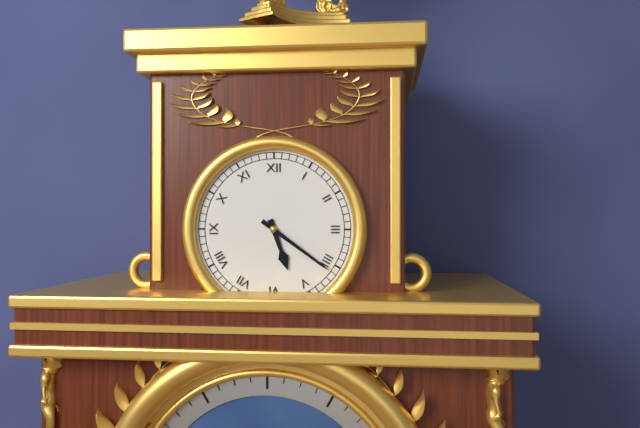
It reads **5:21**
